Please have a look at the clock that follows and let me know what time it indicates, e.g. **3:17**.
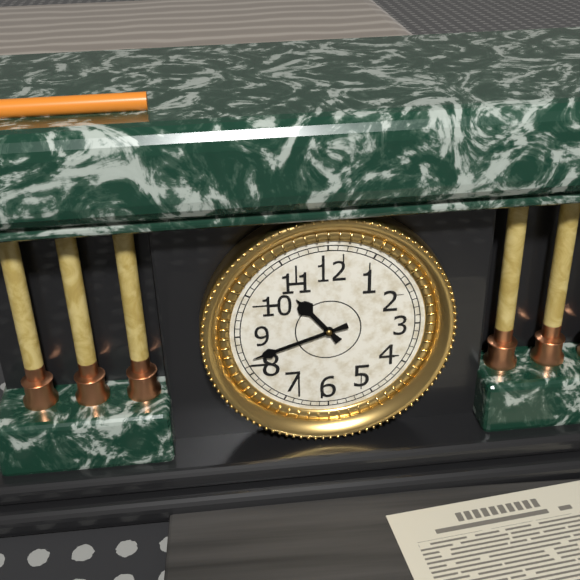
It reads **10:42**
